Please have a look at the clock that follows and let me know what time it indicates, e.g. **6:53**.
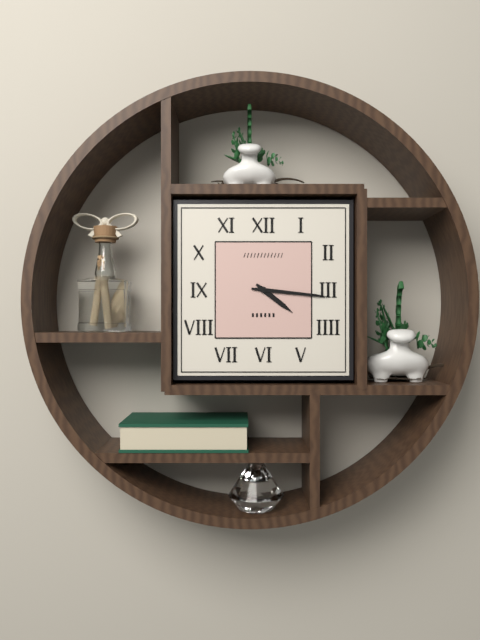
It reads **4:16**
